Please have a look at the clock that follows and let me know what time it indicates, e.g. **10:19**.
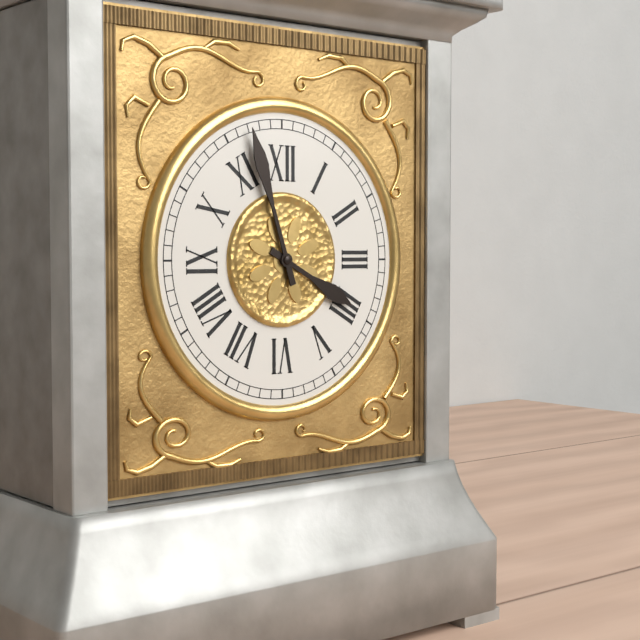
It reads **3:57**
